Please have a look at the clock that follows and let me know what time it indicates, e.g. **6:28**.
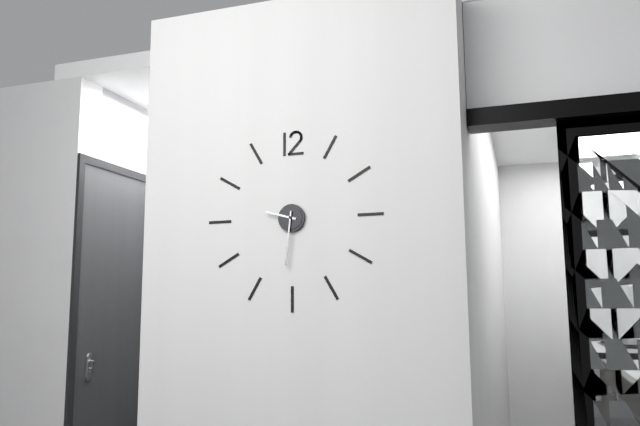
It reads **9:31**
